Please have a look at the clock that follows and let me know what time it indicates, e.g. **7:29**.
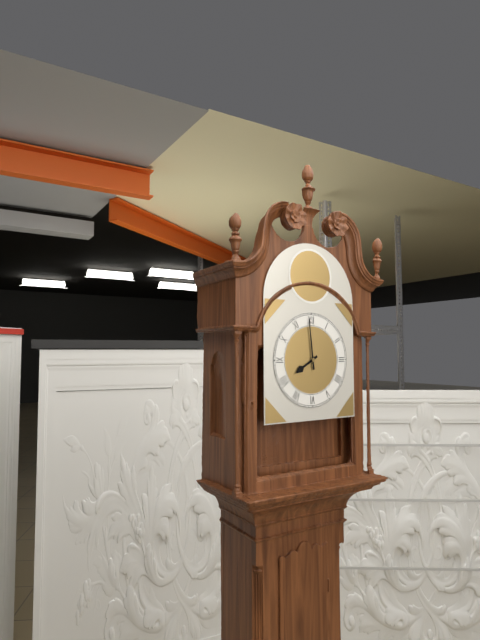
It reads **7:59**
